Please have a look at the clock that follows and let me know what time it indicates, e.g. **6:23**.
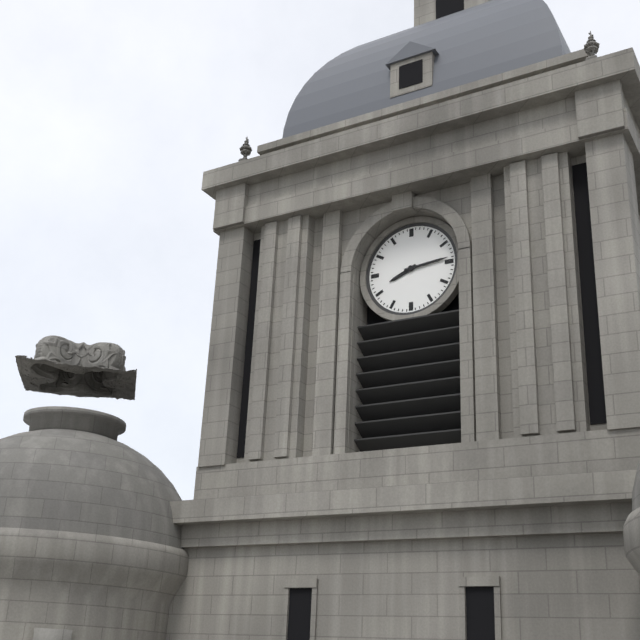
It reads **8:14**
